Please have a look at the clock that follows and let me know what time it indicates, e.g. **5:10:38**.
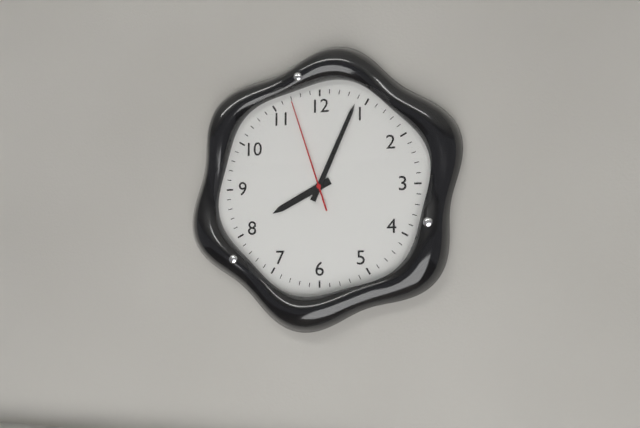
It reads **8:04:57**
